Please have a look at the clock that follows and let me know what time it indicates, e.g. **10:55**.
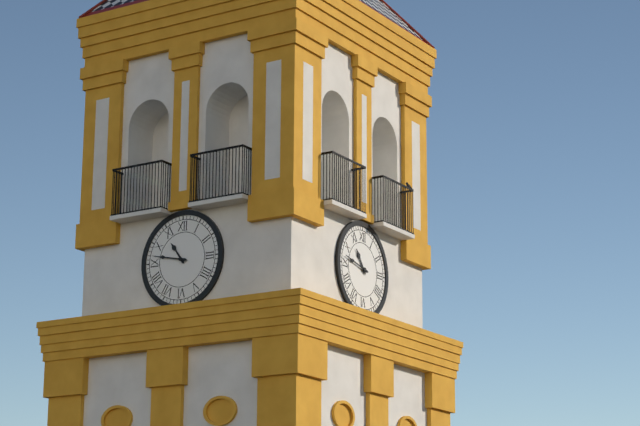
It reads **10:47**
